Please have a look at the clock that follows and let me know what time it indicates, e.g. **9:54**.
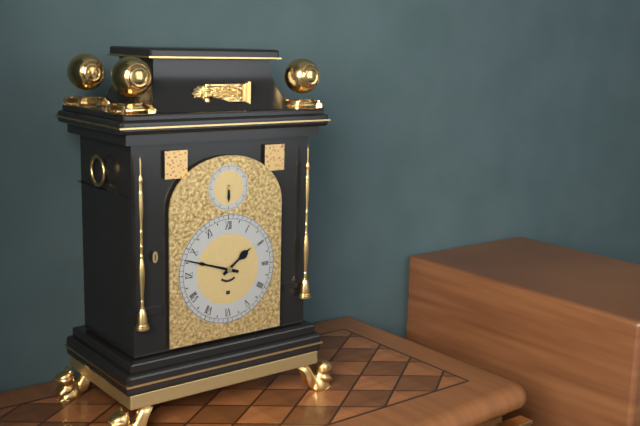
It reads **1:48**
